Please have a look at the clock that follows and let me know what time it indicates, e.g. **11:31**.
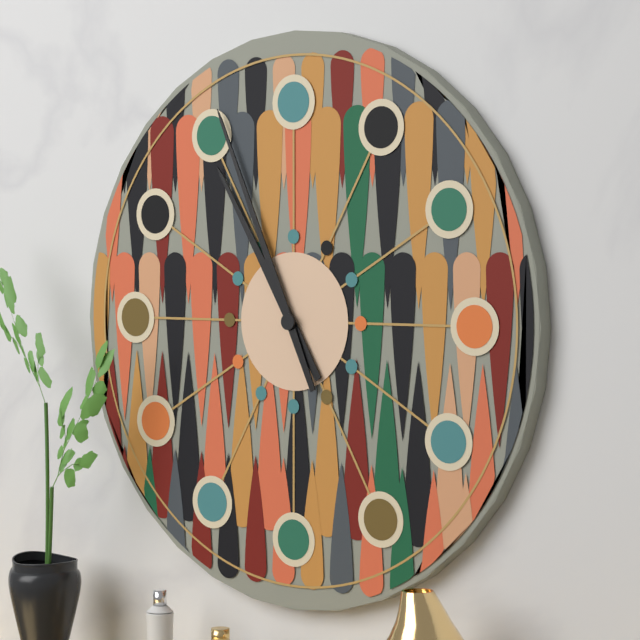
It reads **10:56**
